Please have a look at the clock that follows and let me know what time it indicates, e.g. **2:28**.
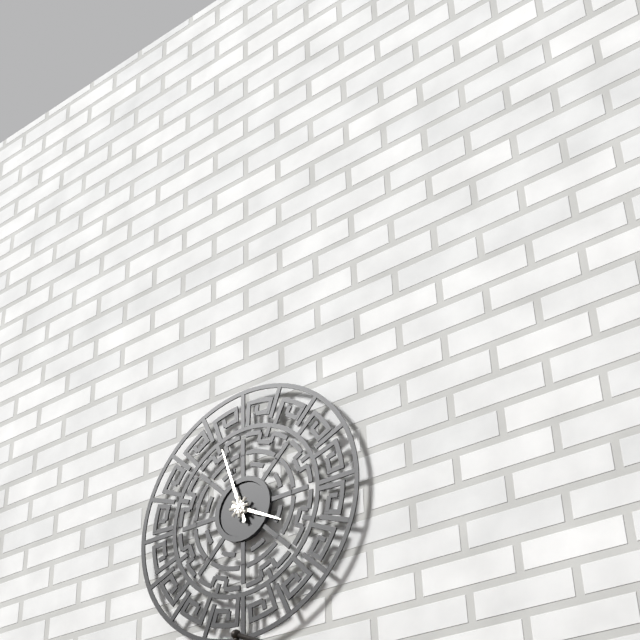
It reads **3:57**
